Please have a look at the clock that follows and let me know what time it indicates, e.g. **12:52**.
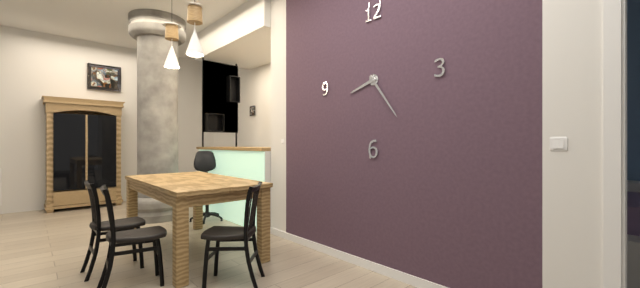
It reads **8:24**
